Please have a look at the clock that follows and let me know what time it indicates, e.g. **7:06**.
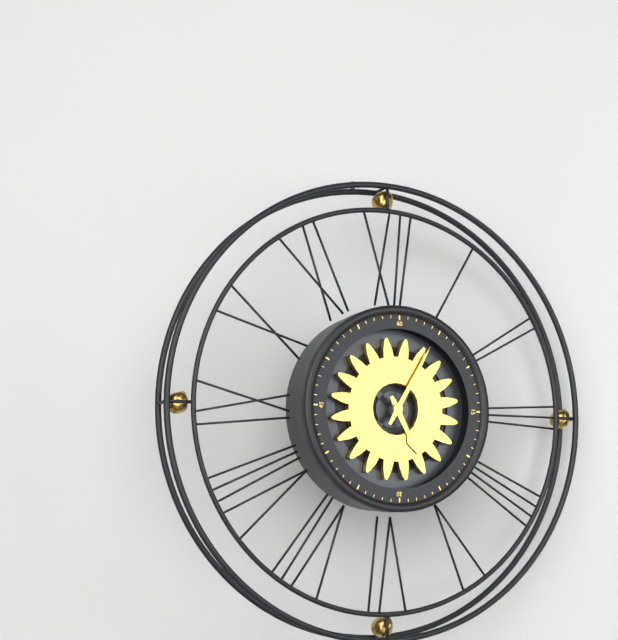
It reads **5:05**
